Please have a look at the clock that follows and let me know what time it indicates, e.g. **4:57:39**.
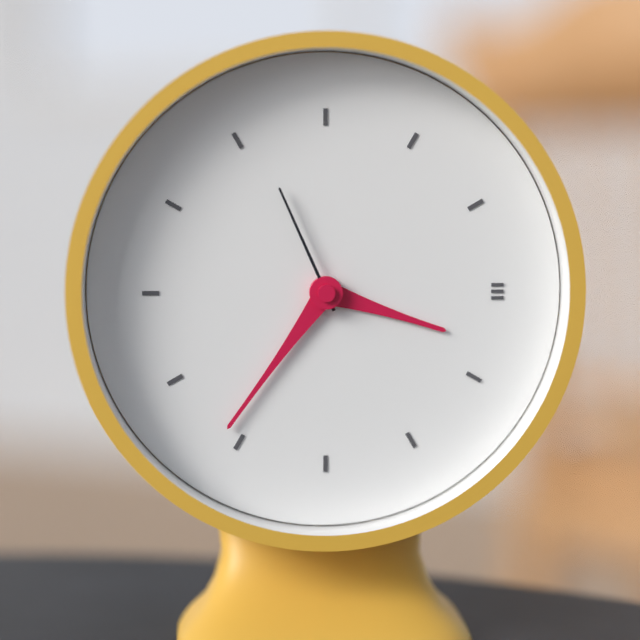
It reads **3:36:56**
